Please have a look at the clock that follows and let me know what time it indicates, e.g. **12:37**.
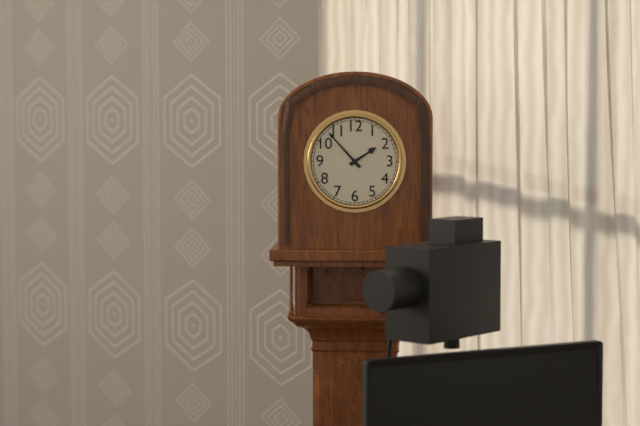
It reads **1:53**
